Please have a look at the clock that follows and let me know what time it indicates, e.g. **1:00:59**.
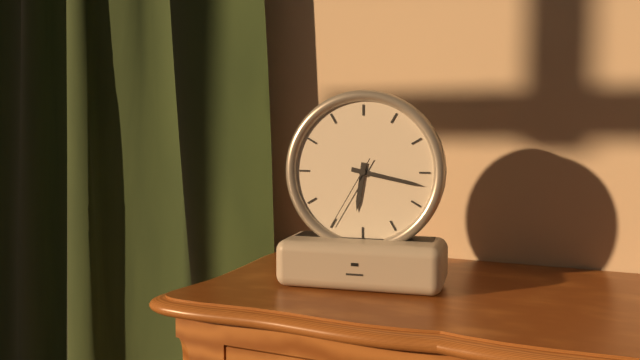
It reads **6:17:35**
